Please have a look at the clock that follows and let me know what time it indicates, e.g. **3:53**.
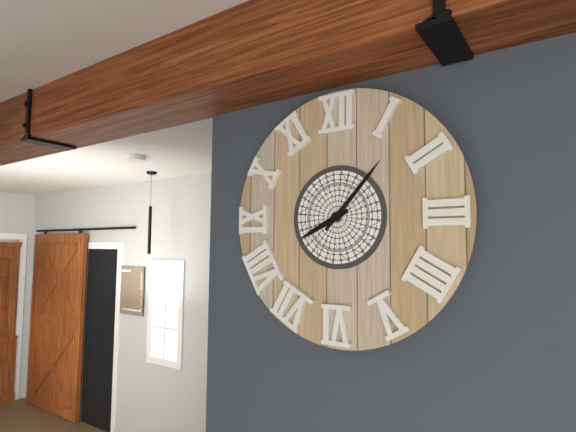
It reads **8:07**
